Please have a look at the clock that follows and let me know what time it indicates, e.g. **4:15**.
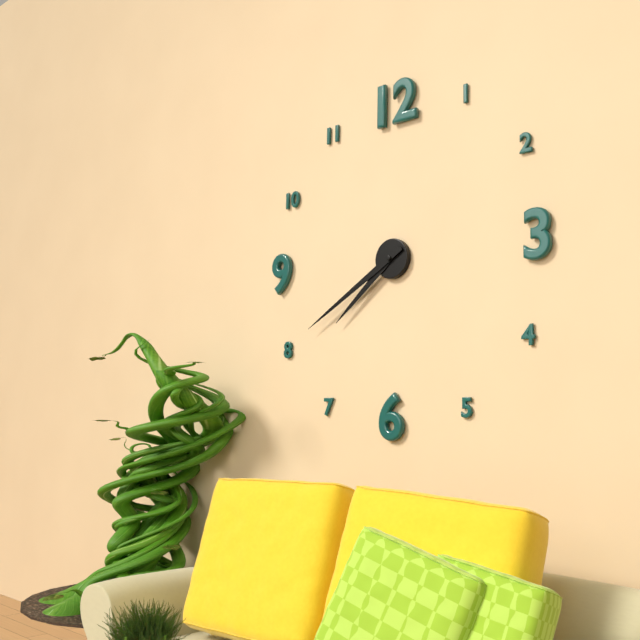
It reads **7:40**
